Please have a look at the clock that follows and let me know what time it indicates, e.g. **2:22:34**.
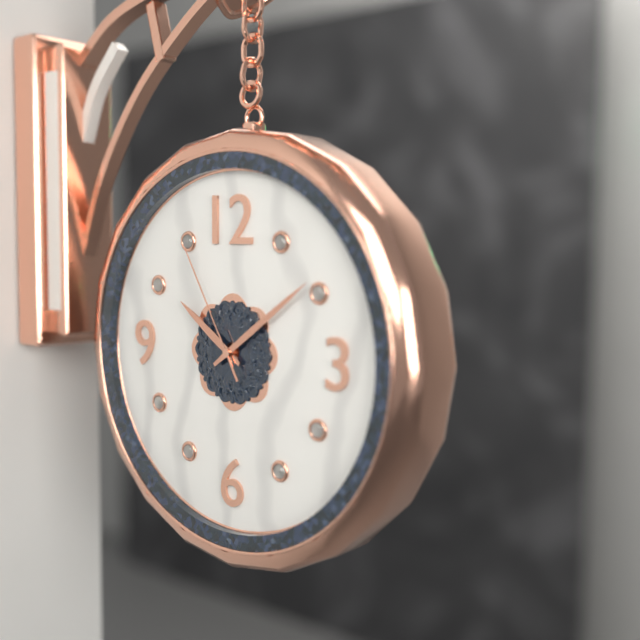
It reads **10:09:55**
